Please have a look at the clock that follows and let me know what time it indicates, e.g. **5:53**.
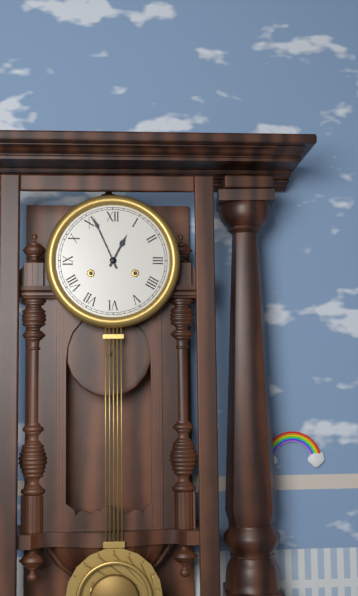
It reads **12:56**
